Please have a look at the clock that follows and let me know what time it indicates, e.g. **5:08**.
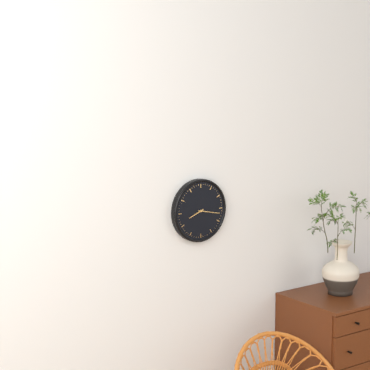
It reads **8:17**
